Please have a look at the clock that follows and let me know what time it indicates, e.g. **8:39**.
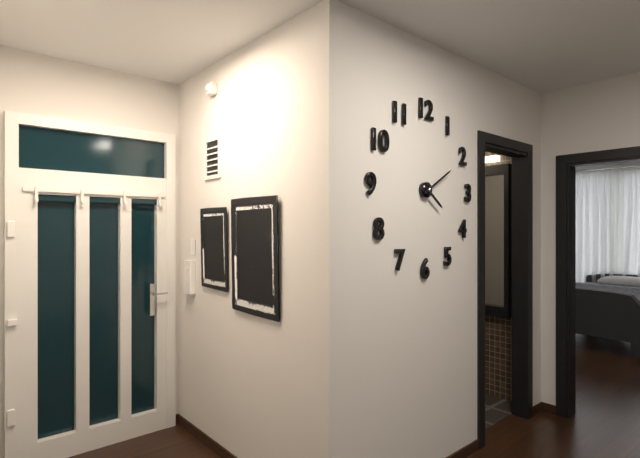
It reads **4:10**
